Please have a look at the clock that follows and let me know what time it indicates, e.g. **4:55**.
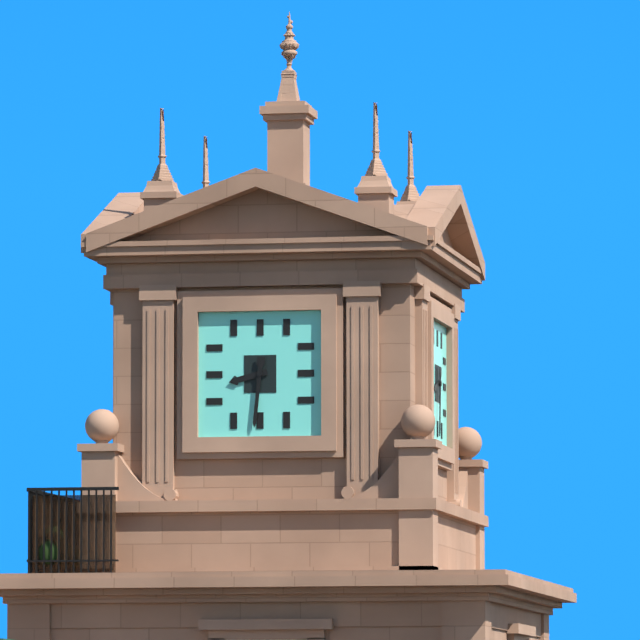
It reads **8:31**
